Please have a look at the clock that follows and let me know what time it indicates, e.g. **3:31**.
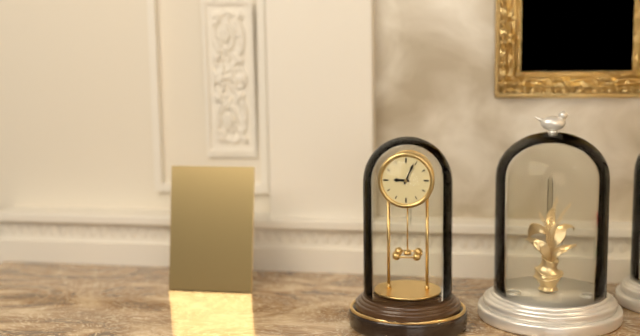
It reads **9:04**
